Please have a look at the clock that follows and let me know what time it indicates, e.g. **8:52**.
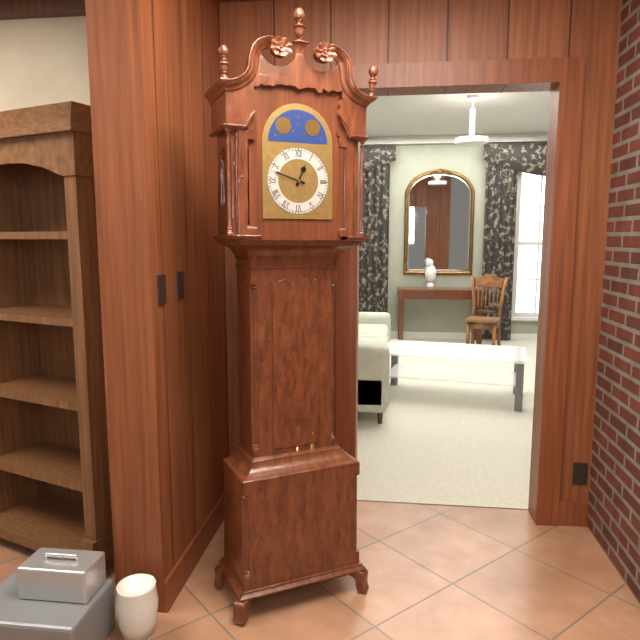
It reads **12:48**
